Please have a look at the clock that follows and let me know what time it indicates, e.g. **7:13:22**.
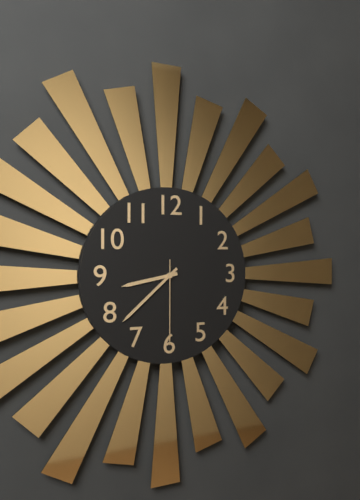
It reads **8:38:30**
